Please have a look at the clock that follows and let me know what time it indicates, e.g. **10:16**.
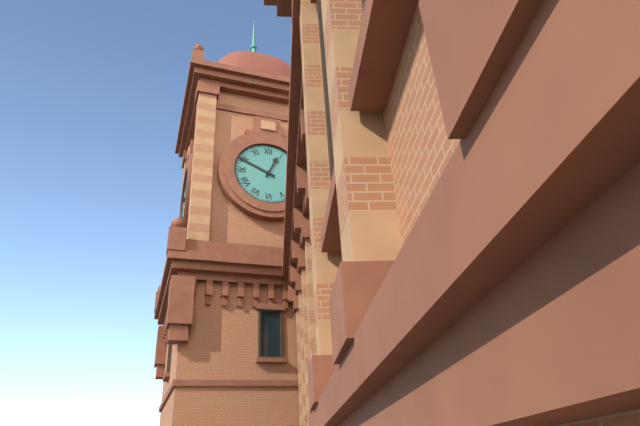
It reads **12:49**
